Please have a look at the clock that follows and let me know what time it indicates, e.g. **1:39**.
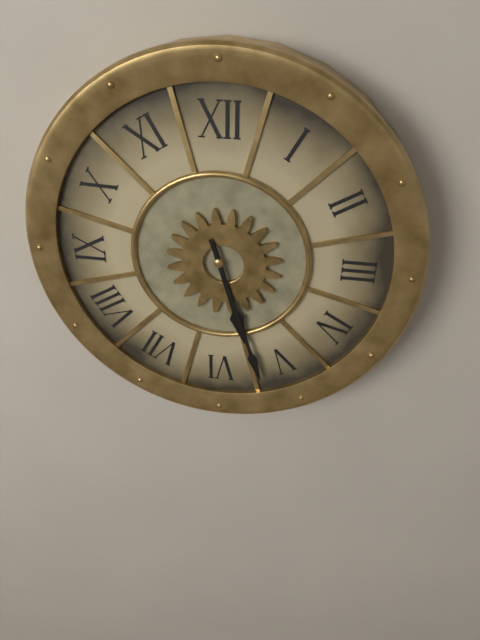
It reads **5:27**
